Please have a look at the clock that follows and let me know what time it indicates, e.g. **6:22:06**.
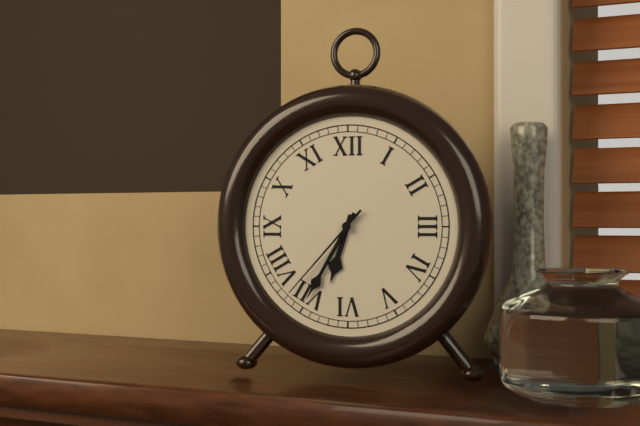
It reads **6:35:37**
